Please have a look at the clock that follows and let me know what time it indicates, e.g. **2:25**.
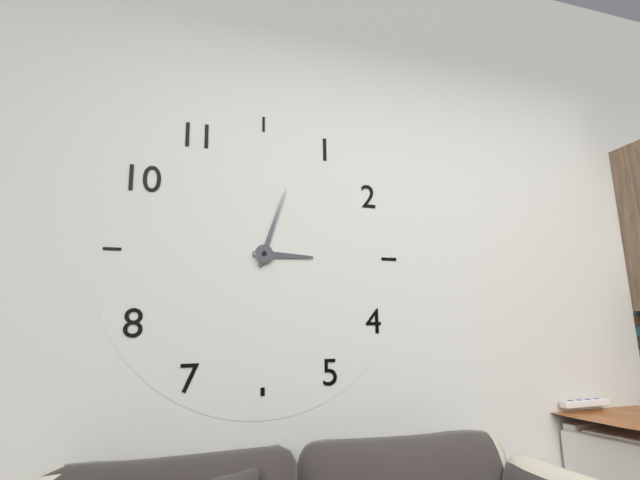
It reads **3:03**
